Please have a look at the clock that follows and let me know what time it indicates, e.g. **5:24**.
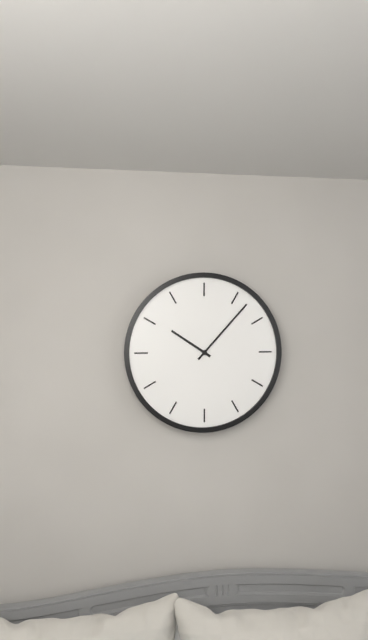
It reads **10:07**
